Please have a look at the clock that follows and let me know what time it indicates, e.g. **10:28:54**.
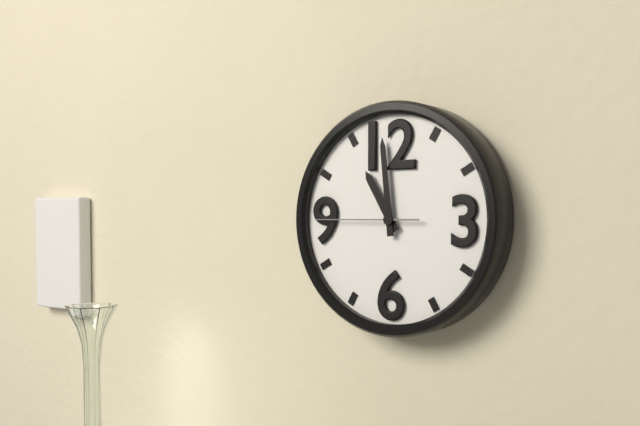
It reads **10:59:45**
